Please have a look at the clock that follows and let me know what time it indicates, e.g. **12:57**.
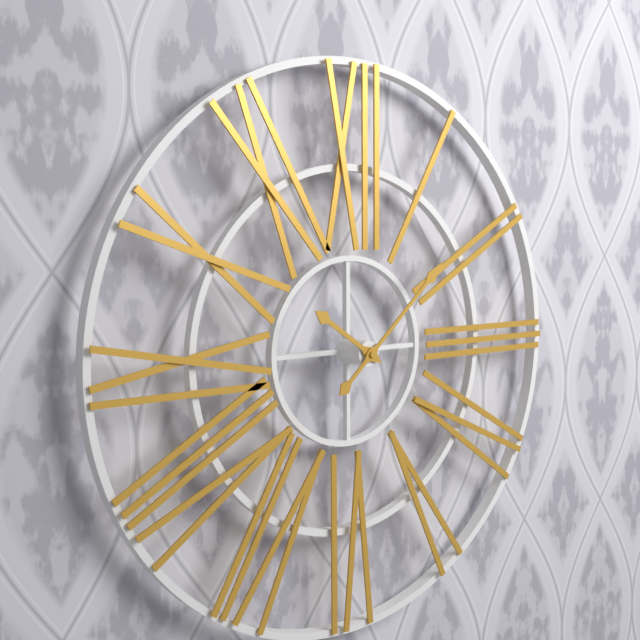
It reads **10:08**
